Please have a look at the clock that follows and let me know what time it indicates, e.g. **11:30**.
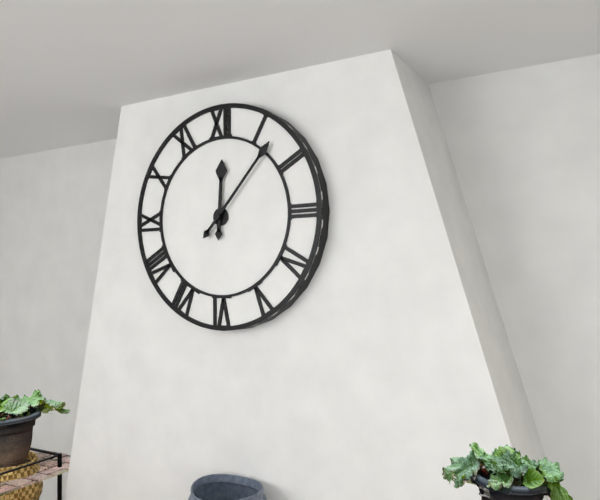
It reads **12:07**
